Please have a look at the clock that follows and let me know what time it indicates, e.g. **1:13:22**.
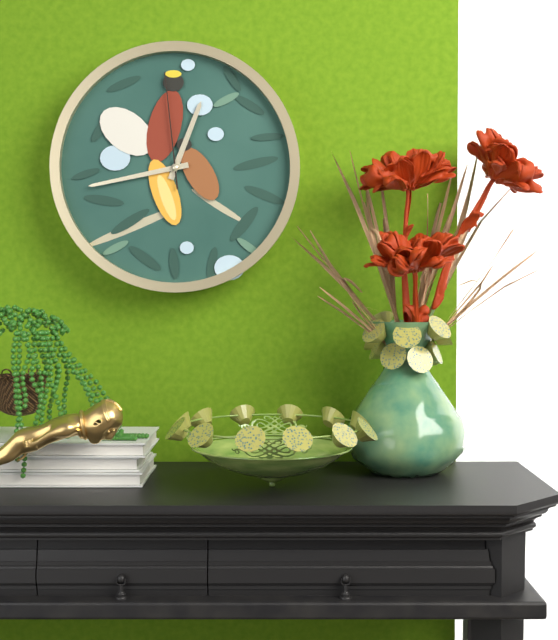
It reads **12:43:59**
